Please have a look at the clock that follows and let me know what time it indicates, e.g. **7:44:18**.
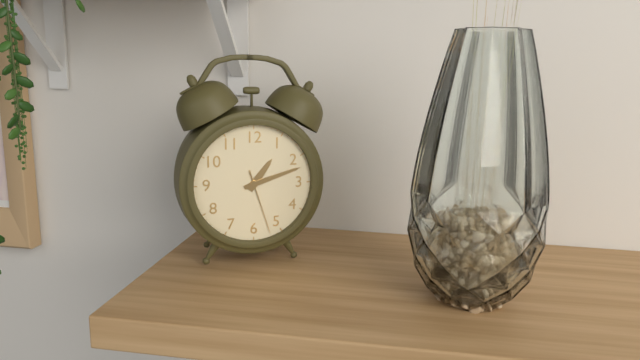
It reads **1:12:27**
